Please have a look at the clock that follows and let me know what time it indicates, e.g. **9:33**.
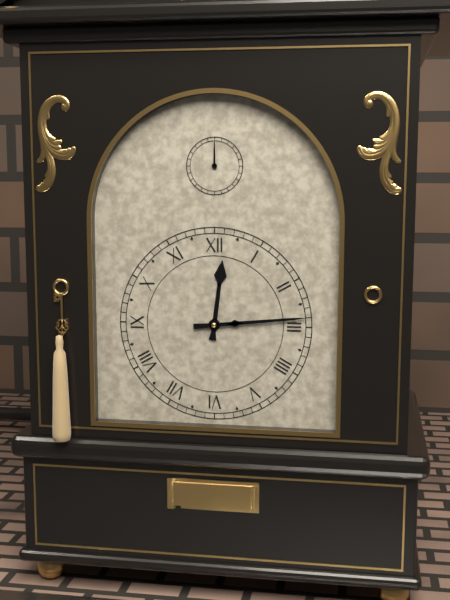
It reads **12:14**
